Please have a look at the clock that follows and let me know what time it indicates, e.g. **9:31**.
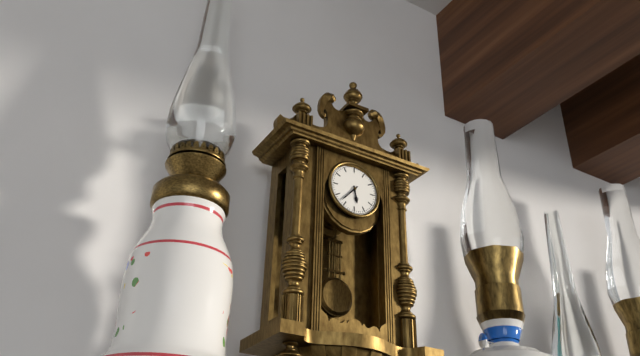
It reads **5:37**
